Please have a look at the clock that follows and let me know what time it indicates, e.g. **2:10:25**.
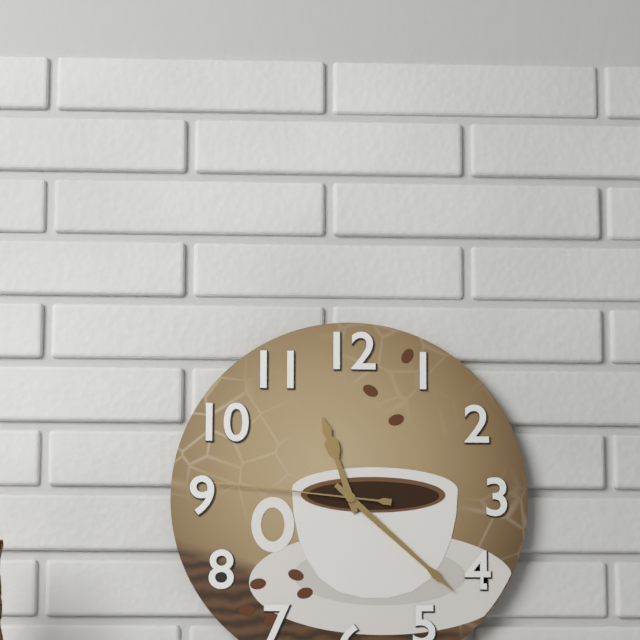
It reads **11:22:46**
